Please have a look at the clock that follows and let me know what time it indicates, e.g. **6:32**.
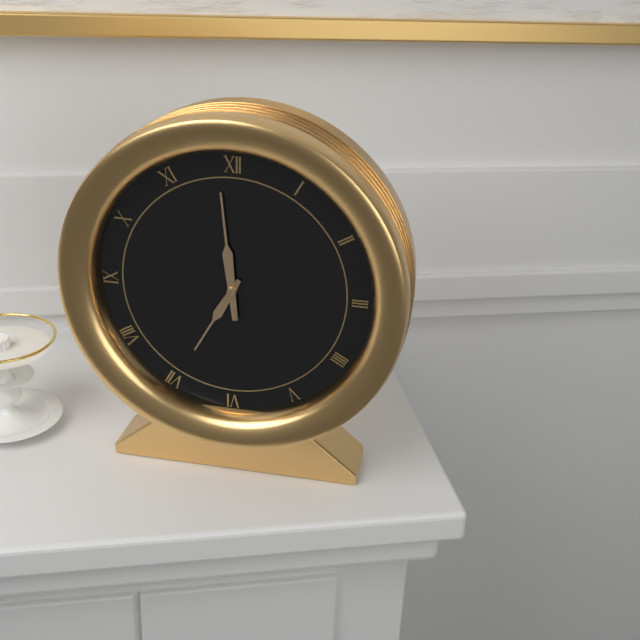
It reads **6:59**
